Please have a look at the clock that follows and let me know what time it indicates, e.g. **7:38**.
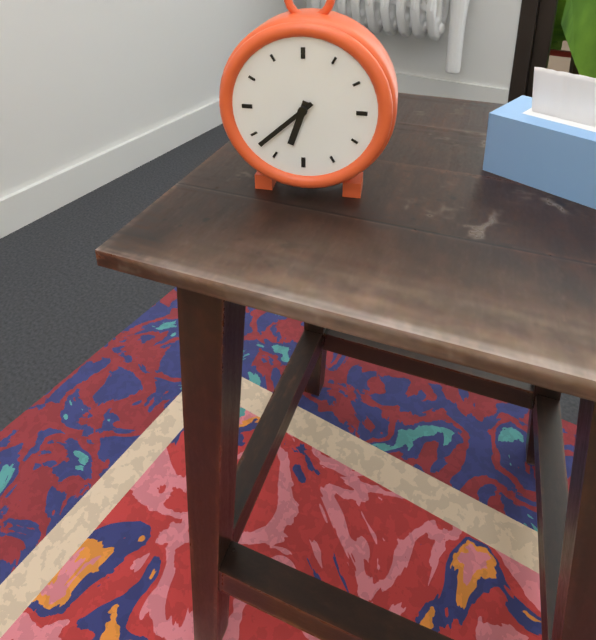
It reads **6:38**
